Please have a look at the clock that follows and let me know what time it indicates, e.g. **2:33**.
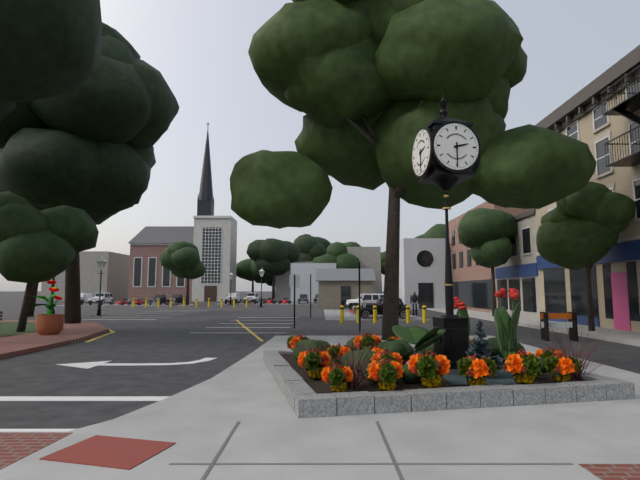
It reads **2:30**
